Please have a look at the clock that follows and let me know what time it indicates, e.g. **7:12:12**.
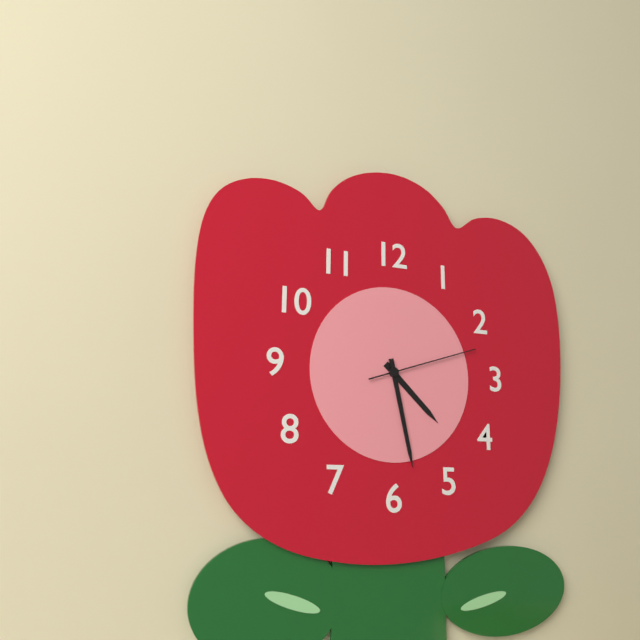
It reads **4:28:12**
